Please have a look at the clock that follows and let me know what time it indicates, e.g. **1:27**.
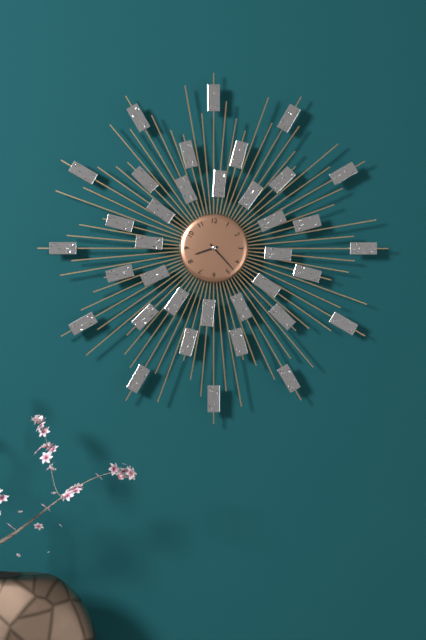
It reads **8:23**
